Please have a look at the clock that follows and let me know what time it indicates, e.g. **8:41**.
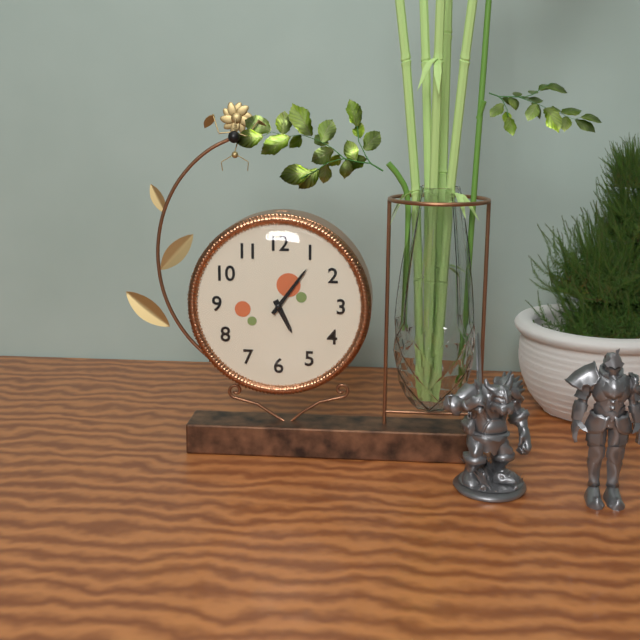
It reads **5:06**
